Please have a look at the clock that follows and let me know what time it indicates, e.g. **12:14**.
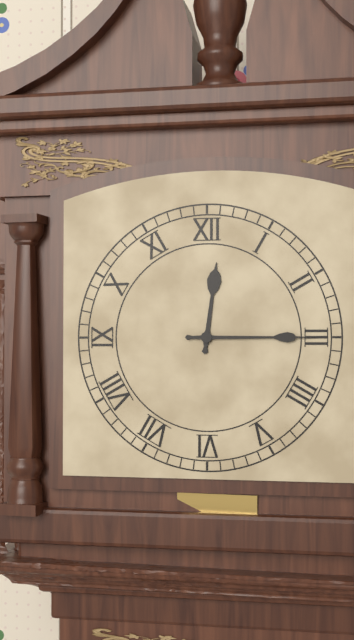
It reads **12:15**
